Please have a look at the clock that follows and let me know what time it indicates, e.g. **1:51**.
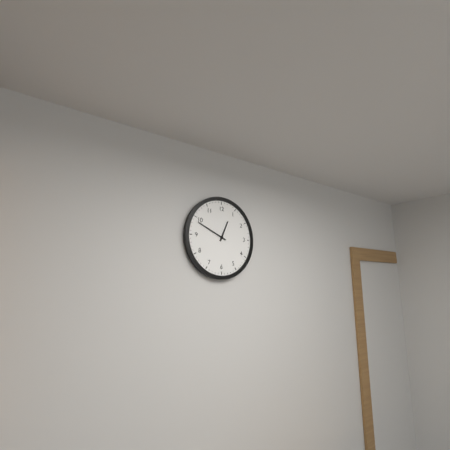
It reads **12:49**
